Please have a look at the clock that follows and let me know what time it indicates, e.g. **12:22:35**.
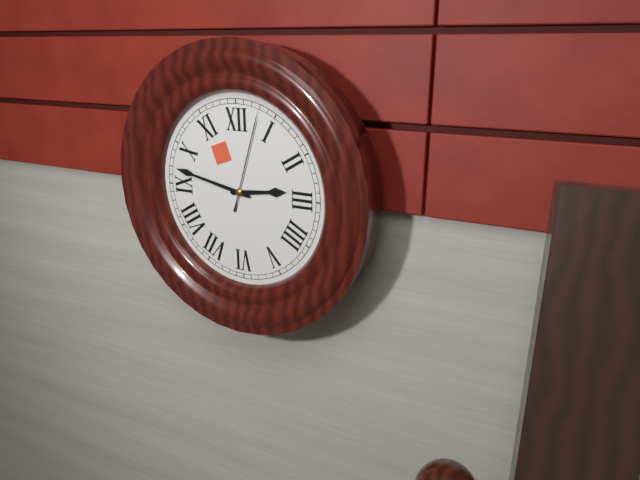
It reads **2:47:03**
